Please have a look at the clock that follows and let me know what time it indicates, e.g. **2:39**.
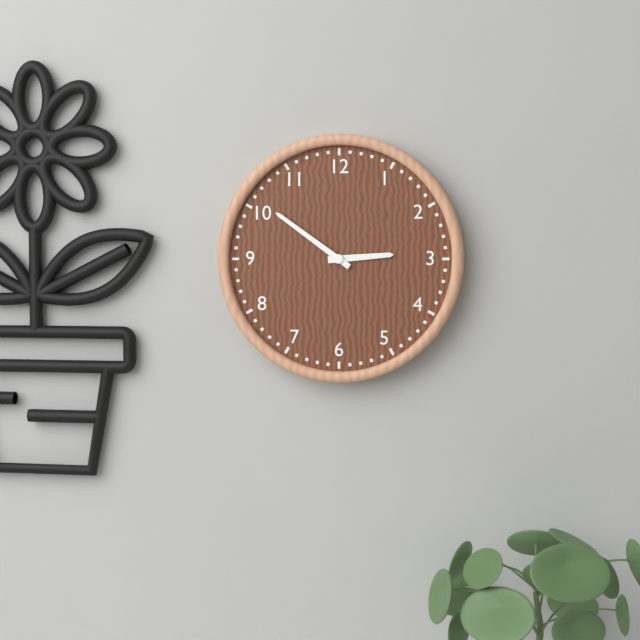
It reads **2:51**
